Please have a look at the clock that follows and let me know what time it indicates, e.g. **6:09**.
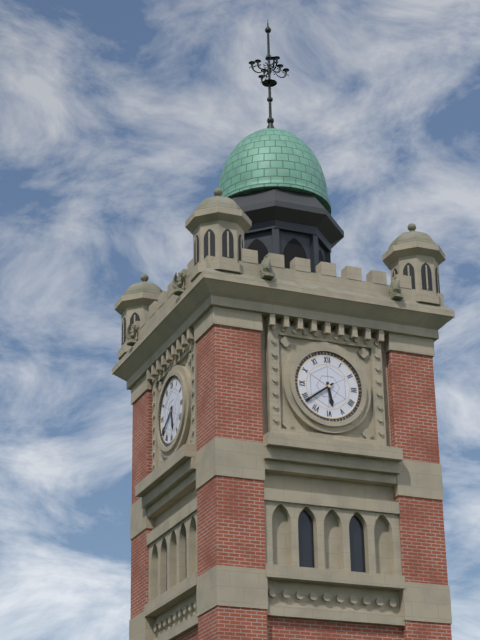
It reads **5:39**
